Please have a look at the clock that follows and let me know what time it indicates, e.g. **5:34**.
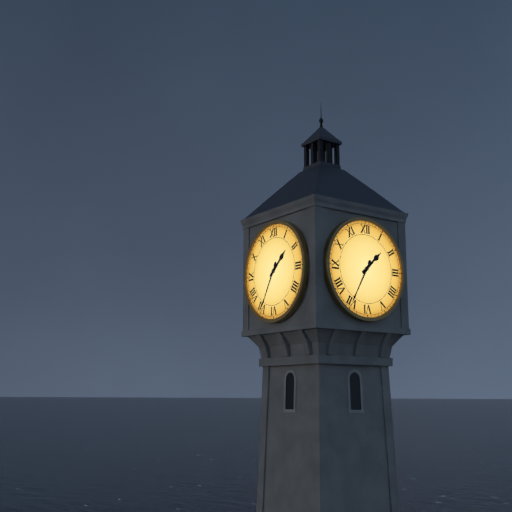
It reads **1:35**
